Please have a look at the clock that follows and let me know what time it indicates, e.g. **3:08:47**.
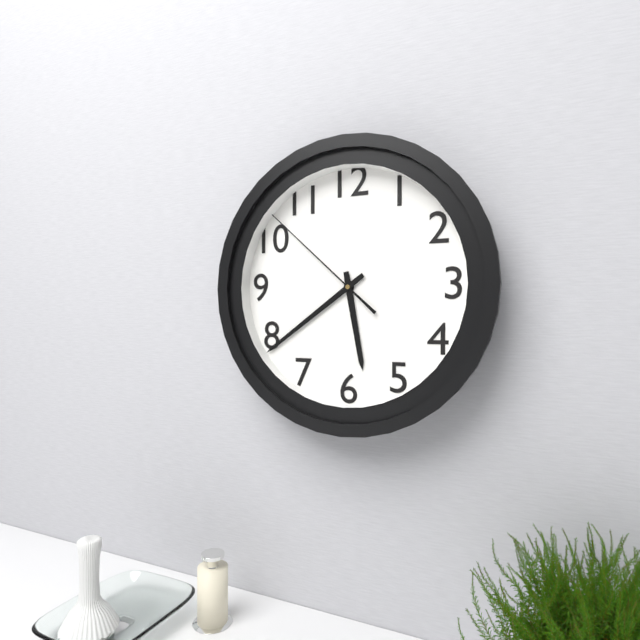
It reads **5:39:52**
